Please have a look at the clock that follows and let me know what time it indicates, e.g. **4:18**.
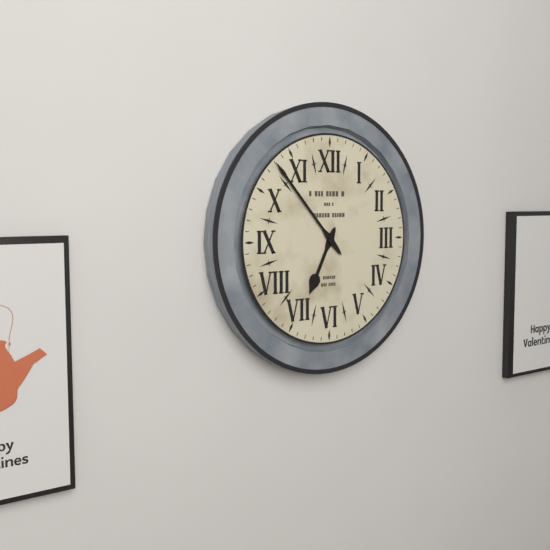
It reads **6:53**
